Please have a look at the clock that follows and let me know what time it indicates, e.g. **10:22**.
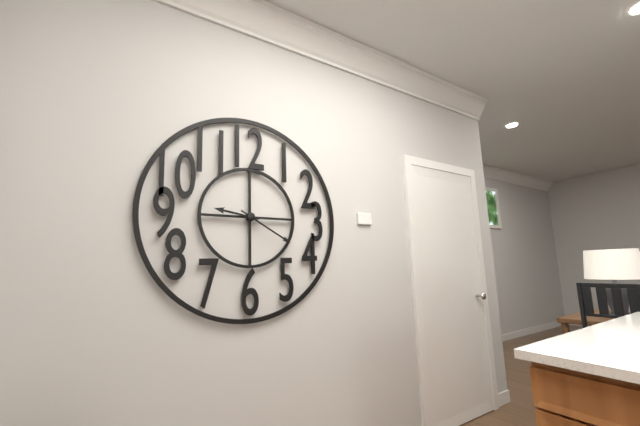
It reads **9:20**
